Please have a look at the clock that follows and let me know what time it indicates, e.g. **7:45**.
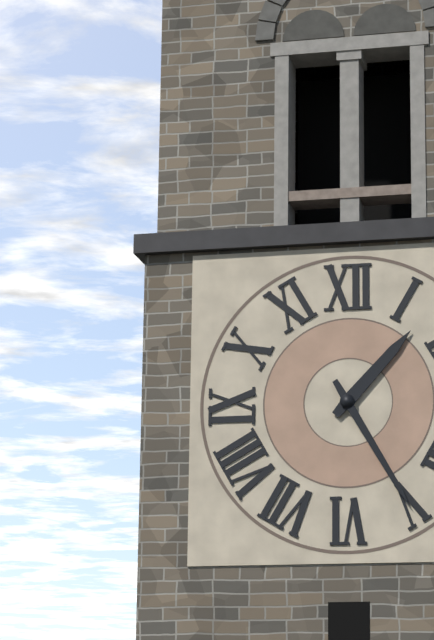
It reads **1:25**
